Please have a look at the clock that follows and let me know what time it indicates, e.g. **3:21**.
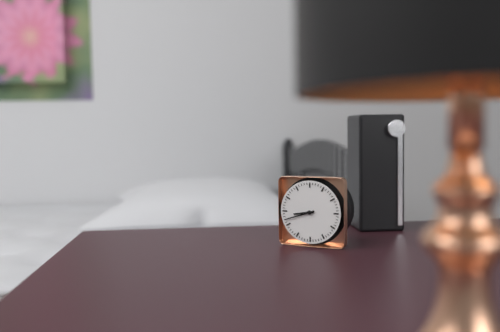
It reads **8:42**
